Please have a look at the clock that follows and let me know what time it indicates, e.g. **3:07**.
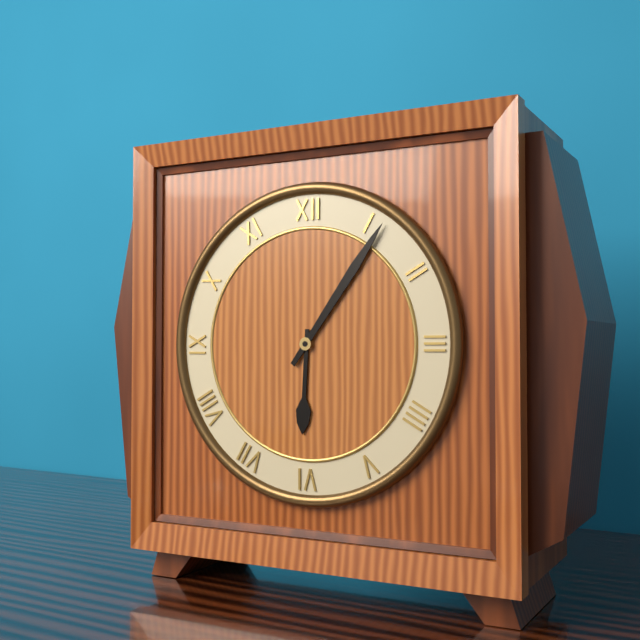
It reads **6:06**
